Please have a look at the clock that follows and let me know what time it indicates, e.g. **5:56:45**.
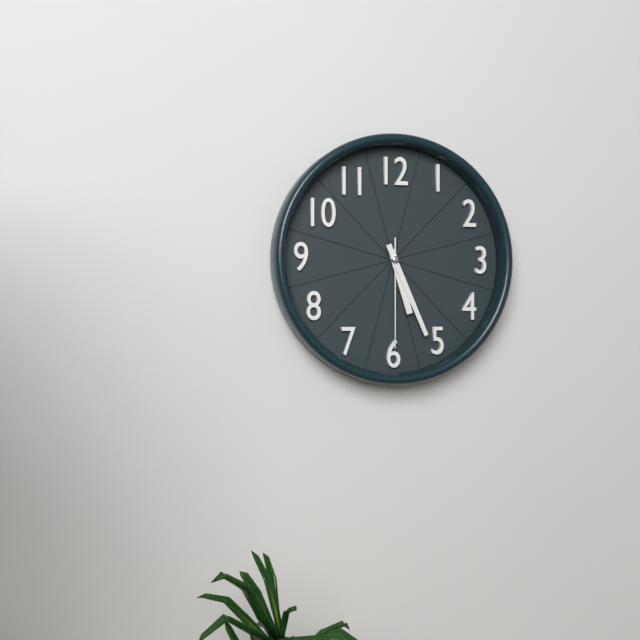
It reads **5:26:30**
